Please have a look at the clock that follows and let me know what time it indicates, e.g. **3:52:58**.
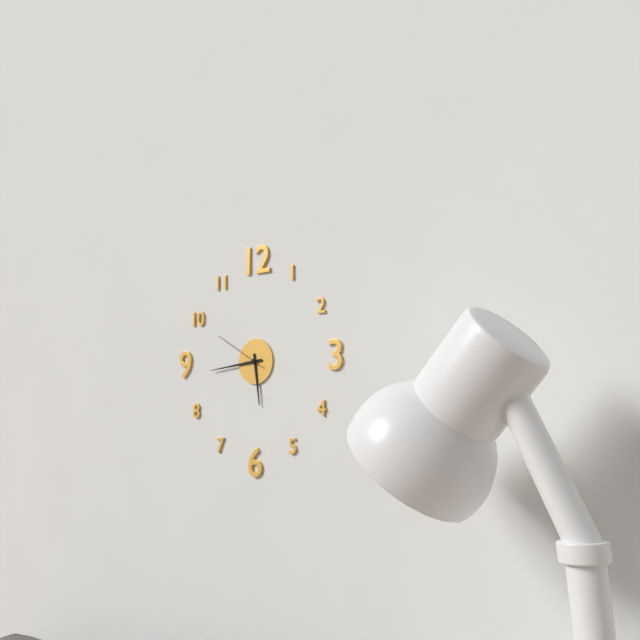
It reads **5:44:50**
